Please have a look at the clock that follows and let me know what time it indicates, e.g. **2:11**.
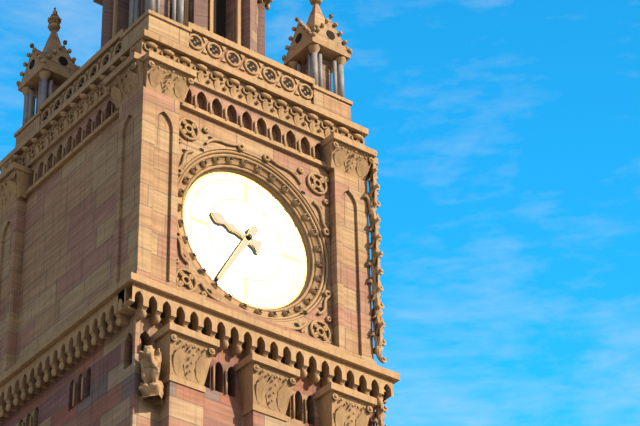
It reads **9:35**
